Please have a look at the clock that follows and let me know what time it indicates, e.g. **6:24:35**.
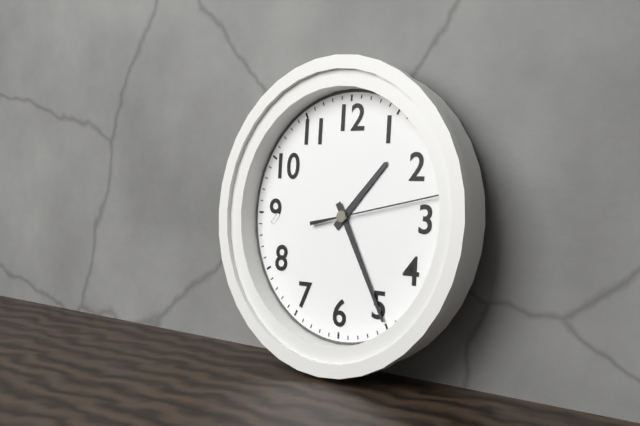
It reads **1:25:13**
